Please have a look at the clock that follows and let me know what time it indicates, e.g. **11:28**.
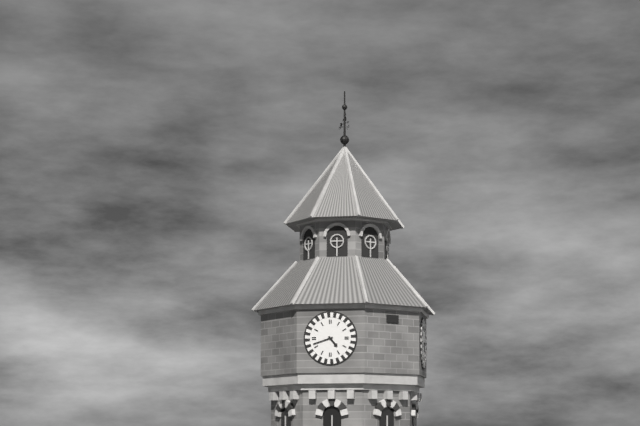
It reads **4:42**
